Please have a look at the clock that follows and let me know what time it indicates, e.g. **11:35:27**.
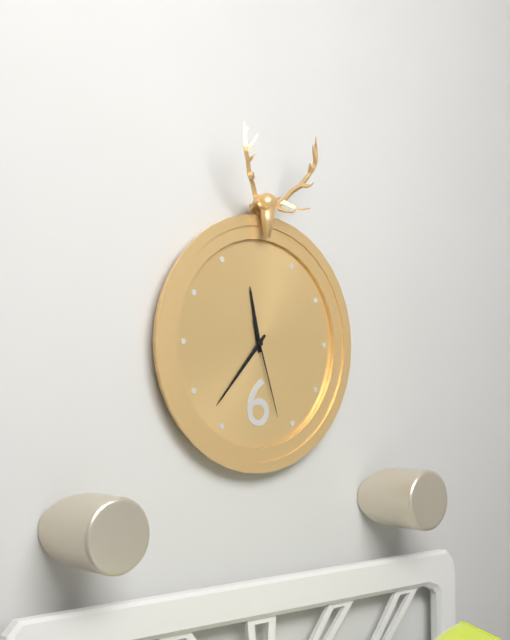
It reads **11:37:27**
